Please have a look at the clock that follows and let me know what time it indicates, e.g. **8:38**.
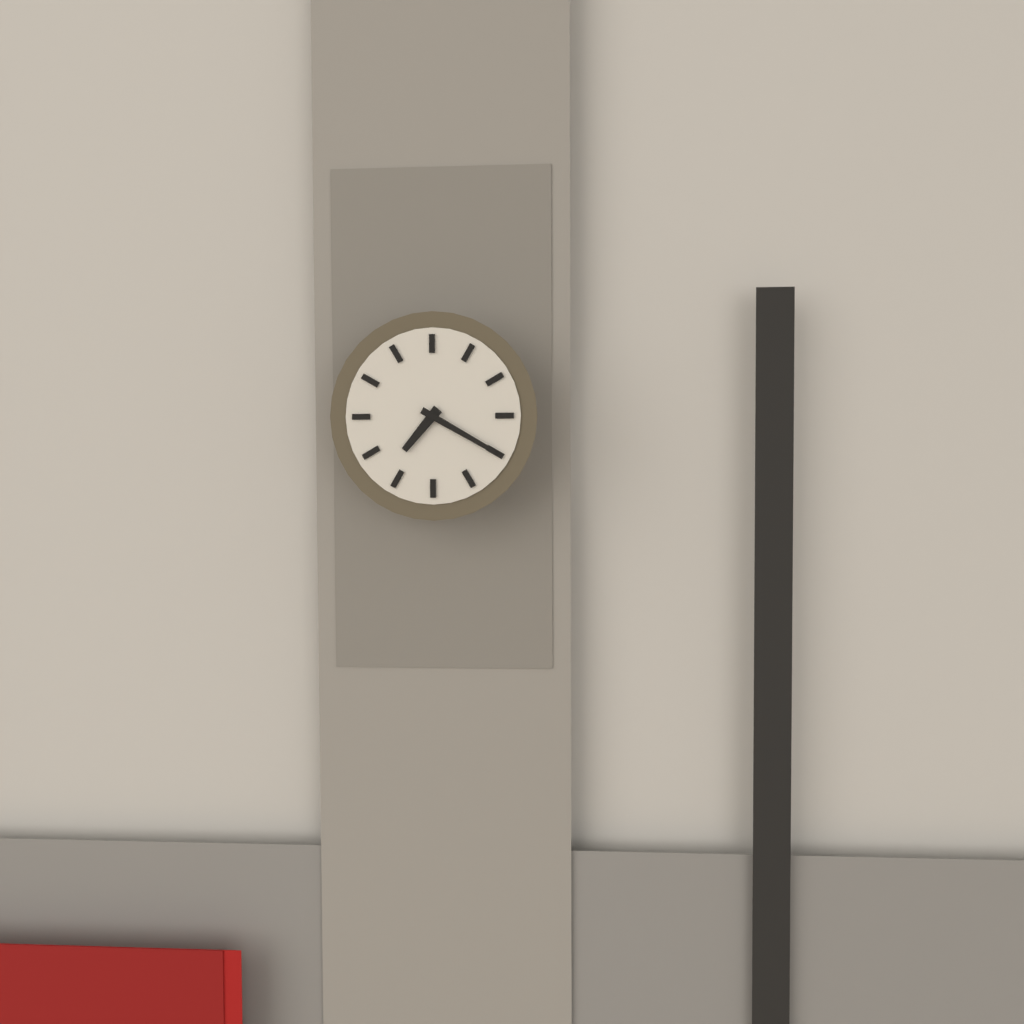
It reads **7:20**
